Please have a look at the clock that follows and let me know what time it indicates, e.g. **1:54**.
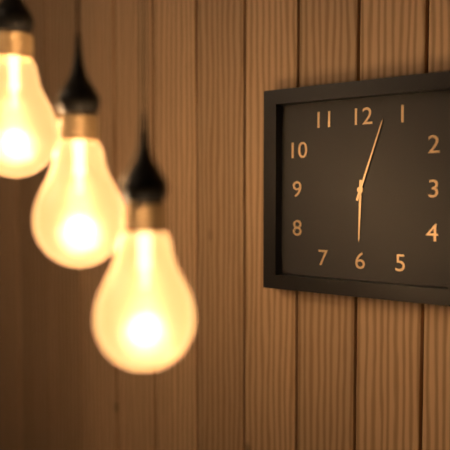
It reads **6:03**
